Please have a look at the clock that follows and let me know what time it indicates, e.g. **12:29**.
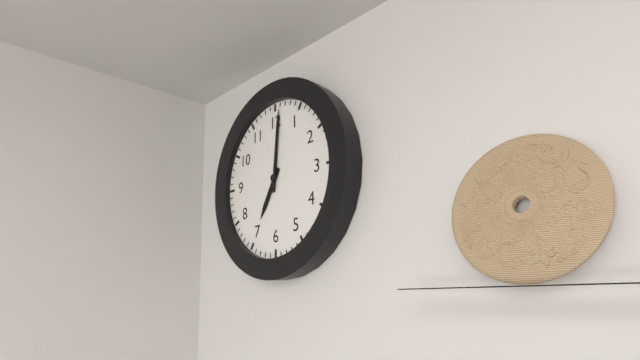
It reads **7:01**
